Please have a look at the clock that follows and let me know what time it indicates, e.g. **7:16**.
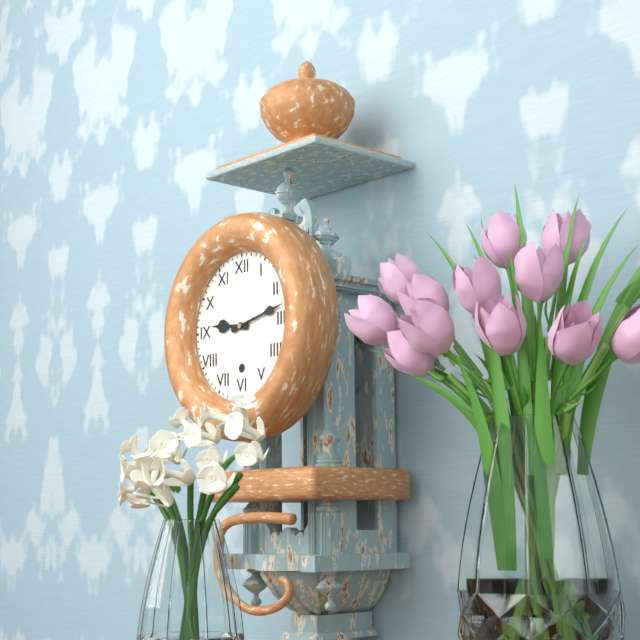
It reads **9:13**
